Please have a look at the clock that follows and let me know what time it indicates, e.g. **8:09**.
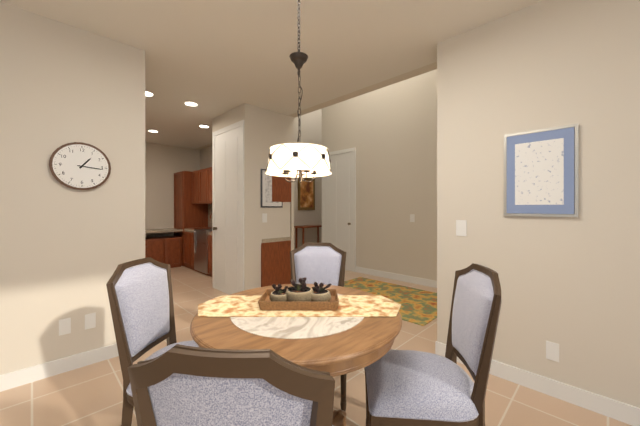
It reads **1:16**
